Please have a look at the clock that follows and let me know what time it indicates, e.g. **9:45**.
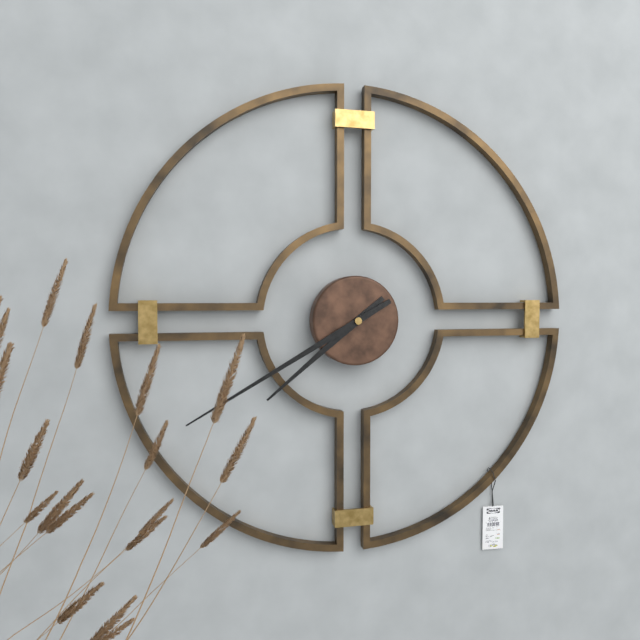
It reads **7:40**
